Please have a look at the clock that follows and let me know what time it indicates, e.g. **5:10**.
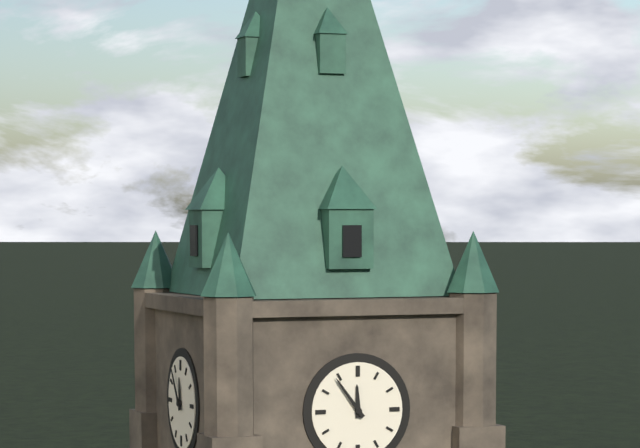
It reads **11:54**
